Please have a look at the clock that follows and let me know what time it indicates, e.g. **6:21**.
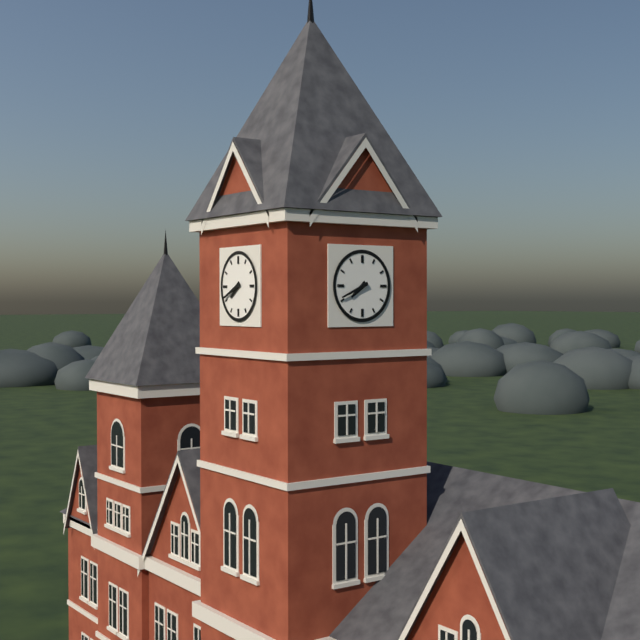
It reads **7:41**
